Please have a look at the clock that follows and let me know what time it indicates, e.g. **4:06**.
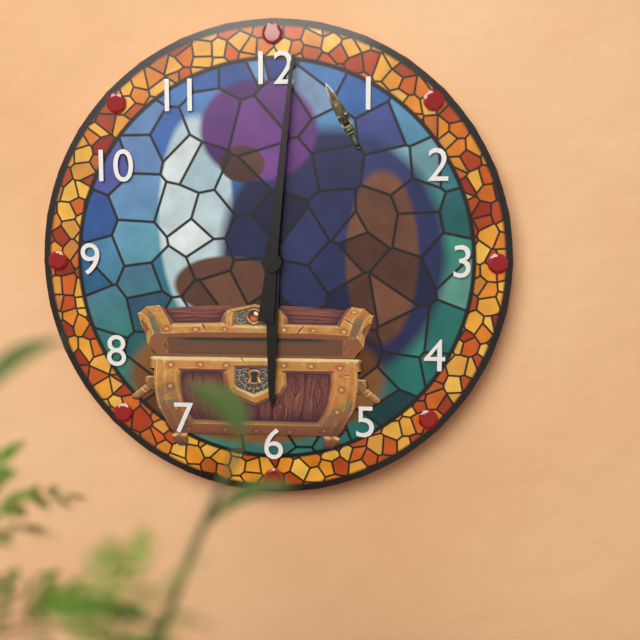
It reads **6:01**
